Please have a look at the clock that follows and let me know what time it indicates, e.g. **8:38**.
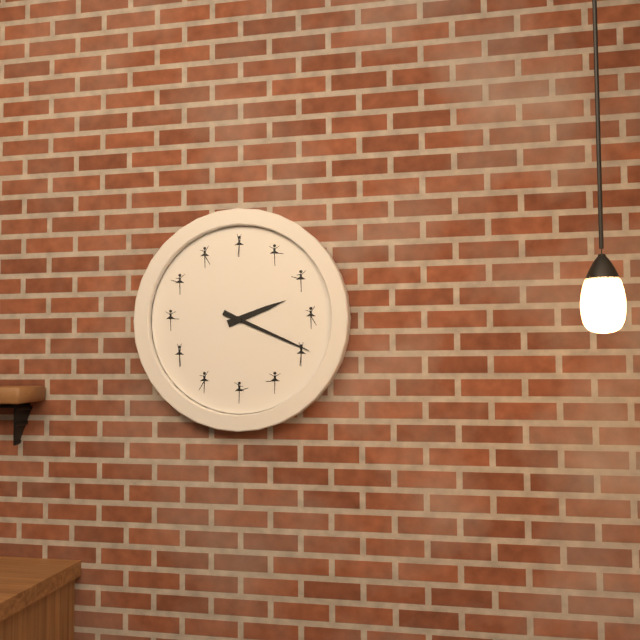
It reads **2:19**
